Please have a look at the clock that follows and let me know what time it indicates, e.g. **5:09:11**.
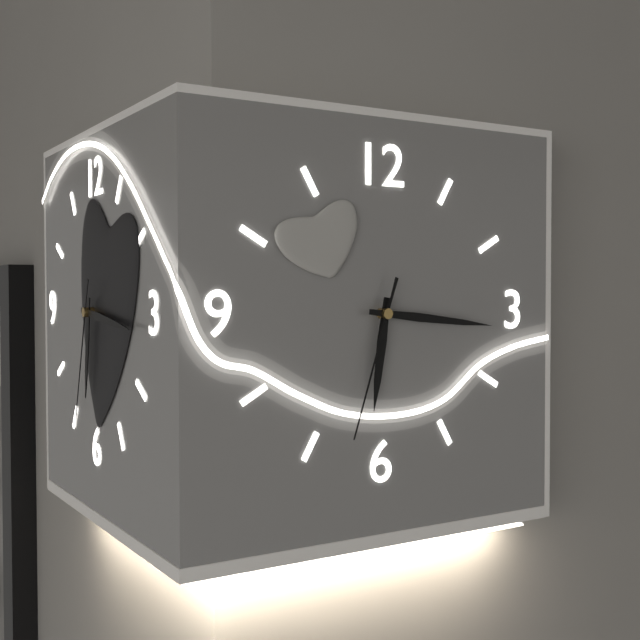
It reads **6:16:33**
